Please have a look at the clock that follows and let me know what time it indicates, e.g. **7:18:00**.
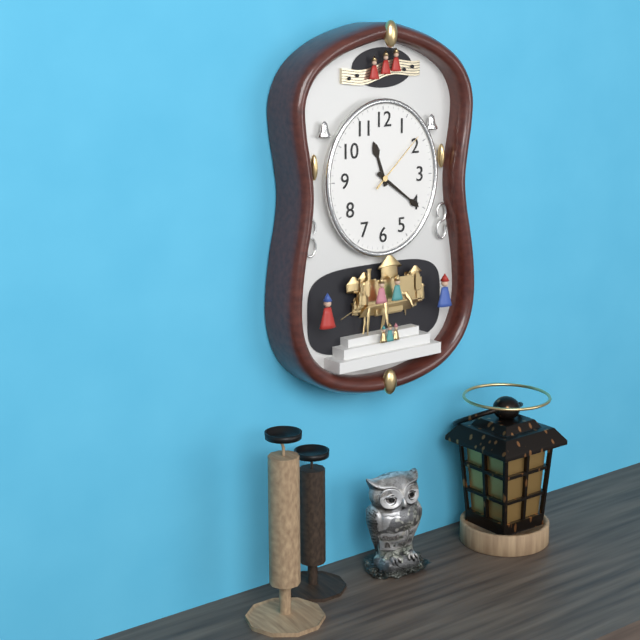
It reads **11:21:08**
